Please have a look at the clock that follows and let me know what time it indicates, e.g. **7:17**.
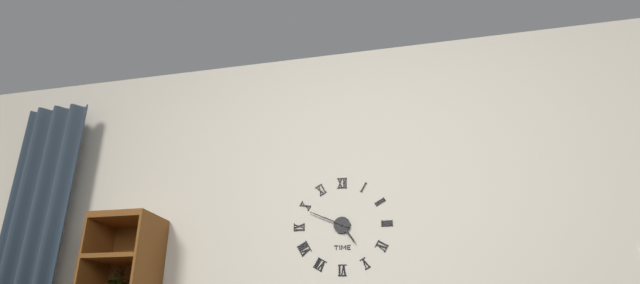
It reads **4:49**
